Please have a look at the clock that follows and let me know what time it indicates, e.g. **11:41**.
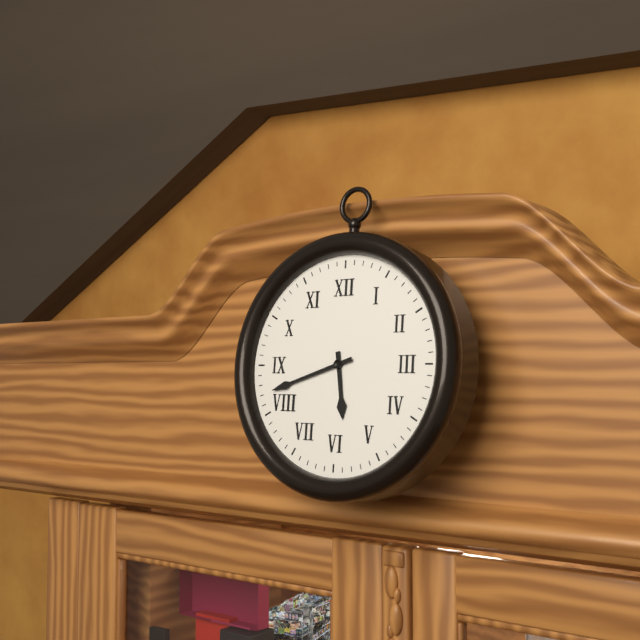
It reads **5:42**
